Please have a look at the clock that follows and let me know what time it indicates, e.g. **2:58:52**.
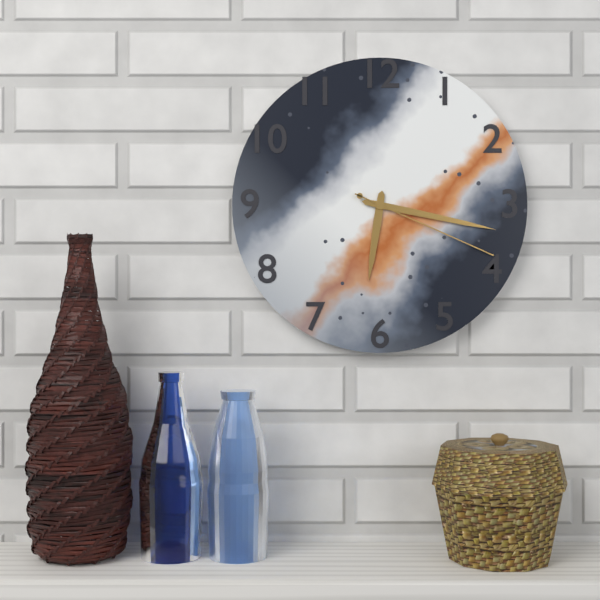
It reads **6:17:19**
